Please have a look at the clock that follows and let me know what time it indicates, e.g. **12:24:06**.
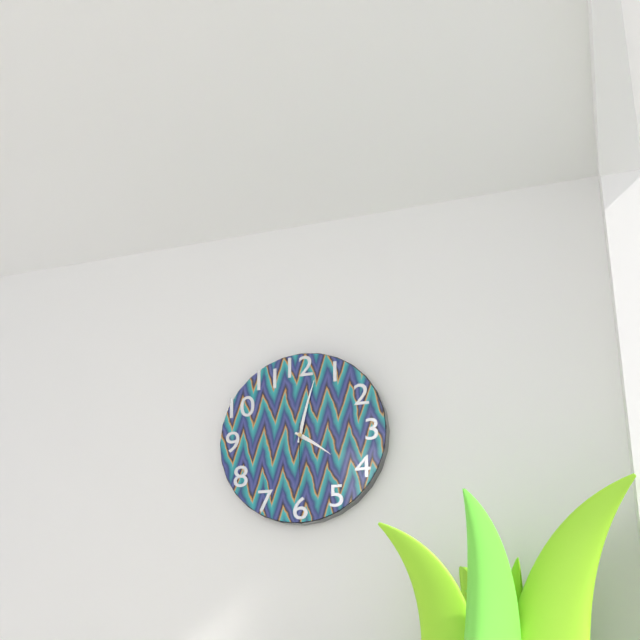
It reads **4:02:30**
